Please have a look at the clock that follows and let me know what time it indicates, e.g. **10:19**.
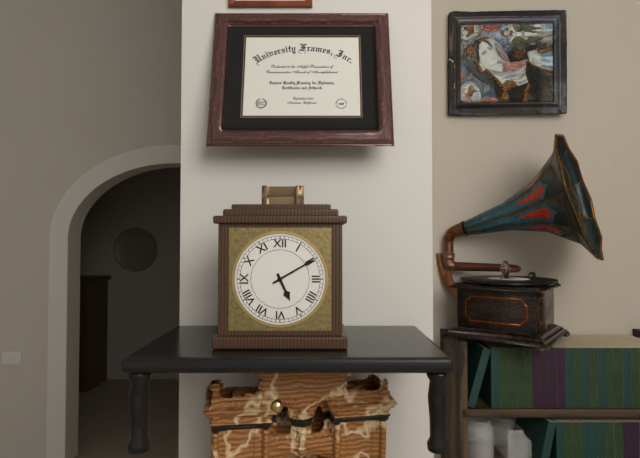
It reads **5:10**
